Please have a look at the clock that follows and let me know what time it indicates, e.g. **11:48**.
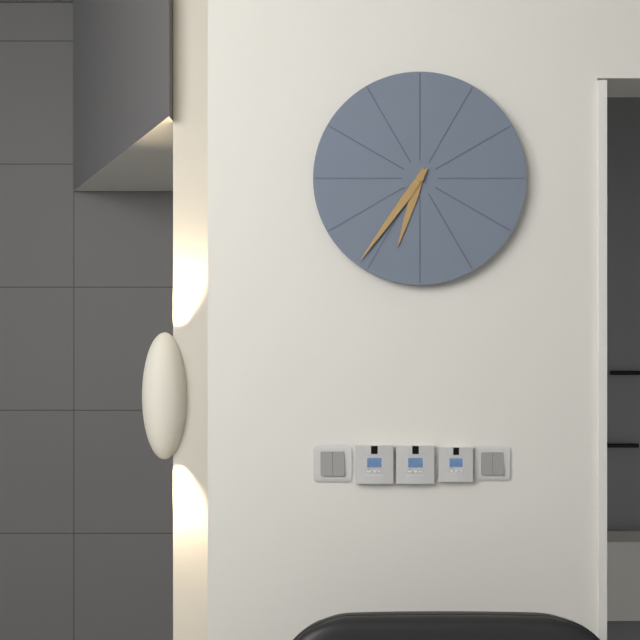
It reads **6:36**
